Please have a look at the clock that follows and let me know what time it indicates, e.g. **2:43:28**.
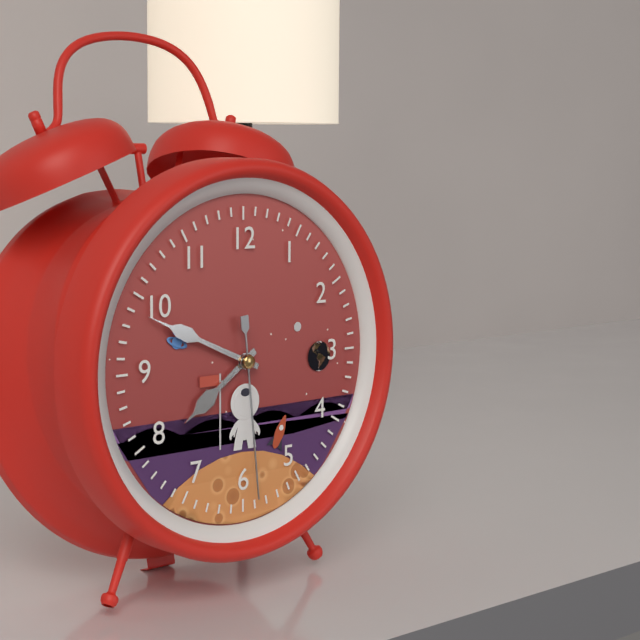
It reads **7:49:29**
